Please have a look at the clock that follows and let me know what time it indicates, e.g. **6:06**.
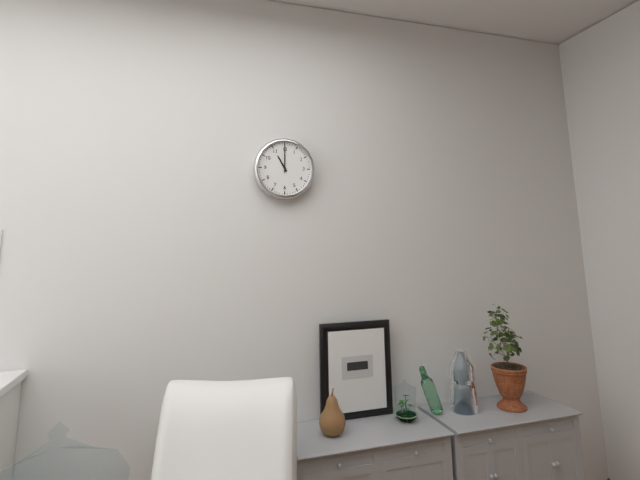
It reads **11:00**
